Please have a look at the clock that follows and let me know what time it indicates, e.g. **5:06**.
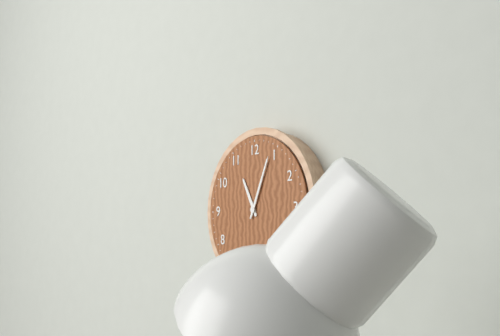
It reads **11:04**
